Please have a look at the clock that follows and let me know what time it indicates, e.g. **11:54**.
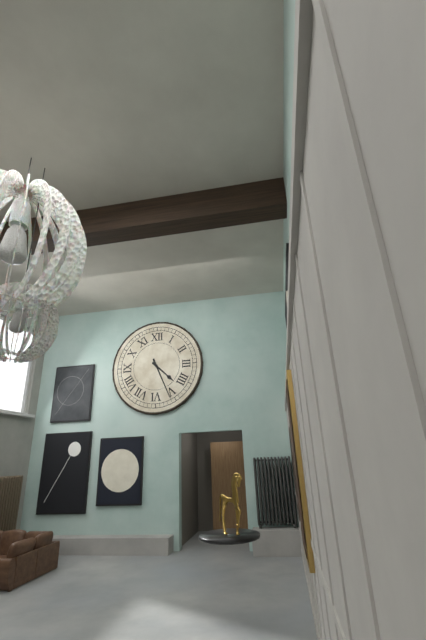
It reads **4:26**
